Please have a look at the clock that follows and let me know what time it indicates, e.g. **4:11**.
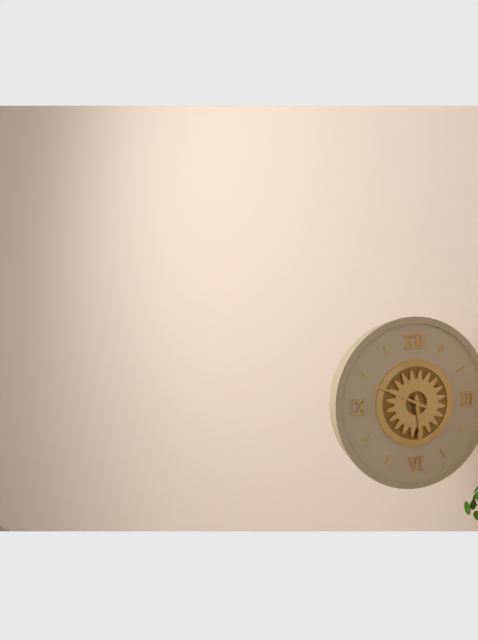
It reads **5:49**
